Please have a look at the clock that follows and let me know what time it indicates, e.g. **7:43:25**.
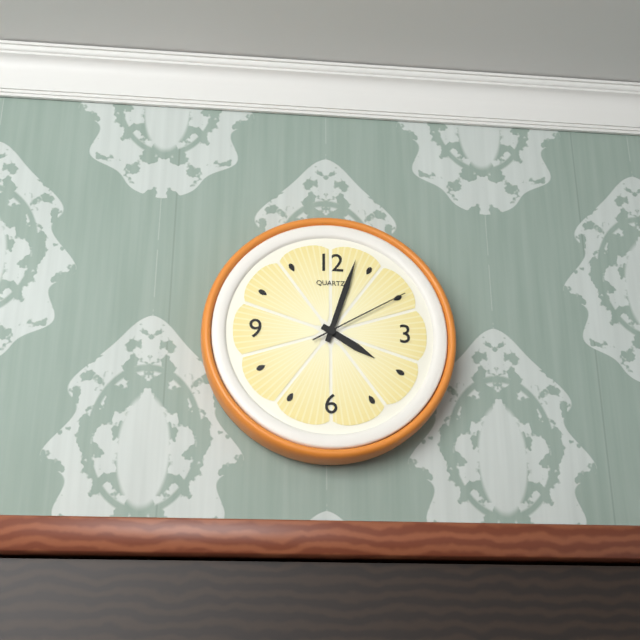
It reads **4:03:10**
